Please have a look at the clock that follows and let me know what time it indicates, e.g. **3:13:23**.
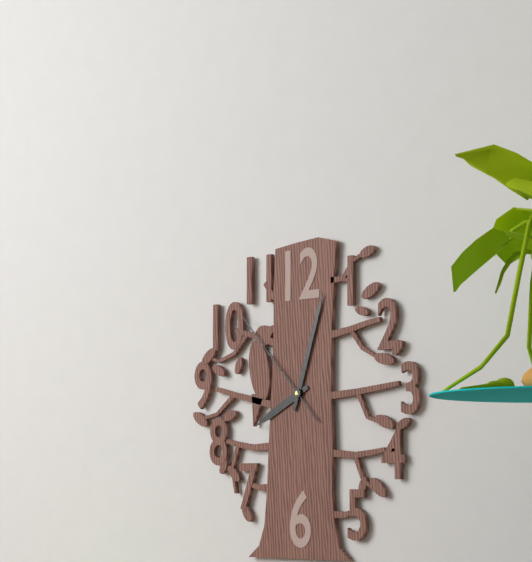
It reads **8:03:53**
